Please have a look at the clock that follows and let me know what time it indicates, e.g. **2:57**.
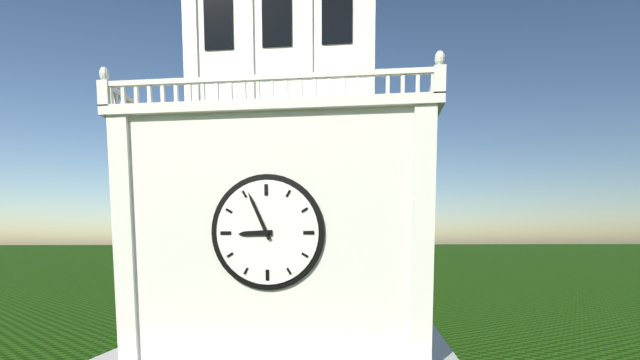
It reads **8:56**
